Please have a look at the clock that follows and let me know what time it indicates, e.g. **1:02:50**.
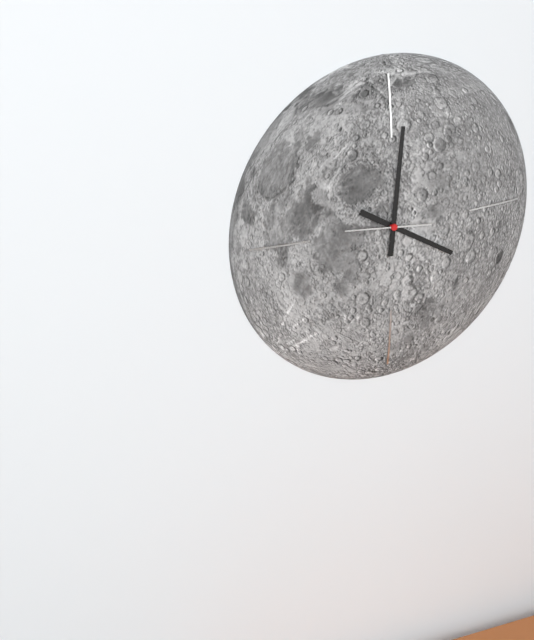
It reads **4:01:46**
